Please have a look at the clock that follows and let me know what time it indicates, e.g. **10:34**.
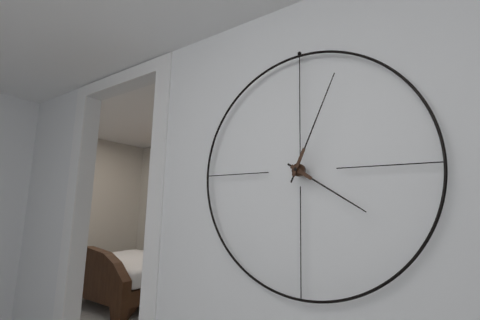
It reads **4:04**
